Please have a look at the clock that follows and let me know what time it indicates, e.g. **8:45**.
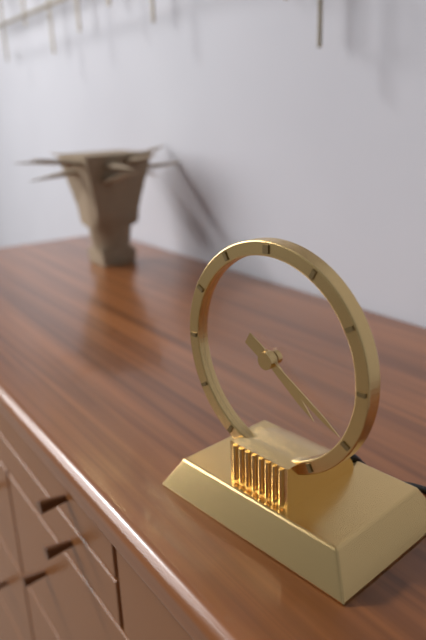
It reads **4:20**
